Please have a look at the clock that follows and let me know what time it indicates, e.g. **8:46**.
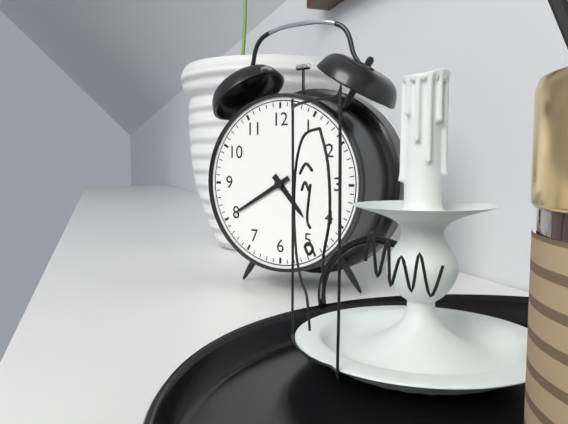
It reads **4:40**
